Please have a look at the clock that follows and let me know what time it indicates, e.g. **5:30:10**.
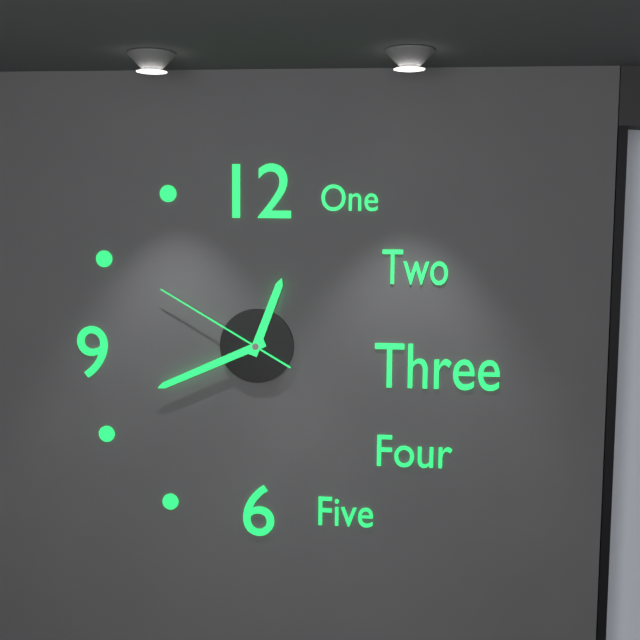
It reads **12:41:50**
